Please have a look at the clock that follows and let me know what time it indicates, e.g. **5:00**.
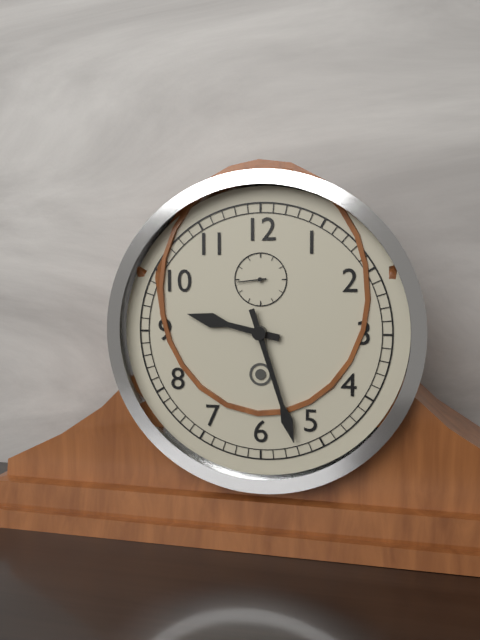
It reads **9:27**
